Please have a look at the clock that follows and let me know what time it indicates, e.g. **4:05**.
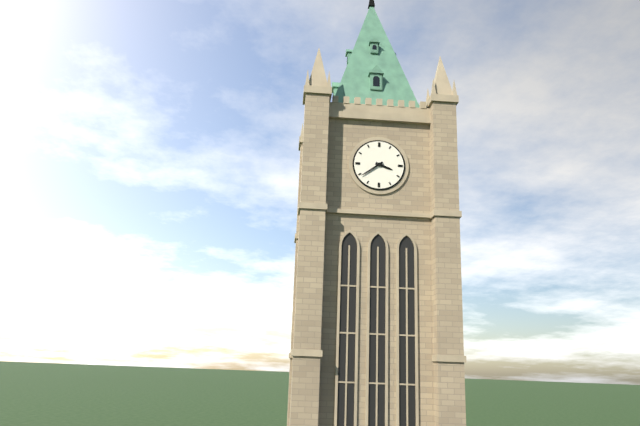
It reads **3:39**
